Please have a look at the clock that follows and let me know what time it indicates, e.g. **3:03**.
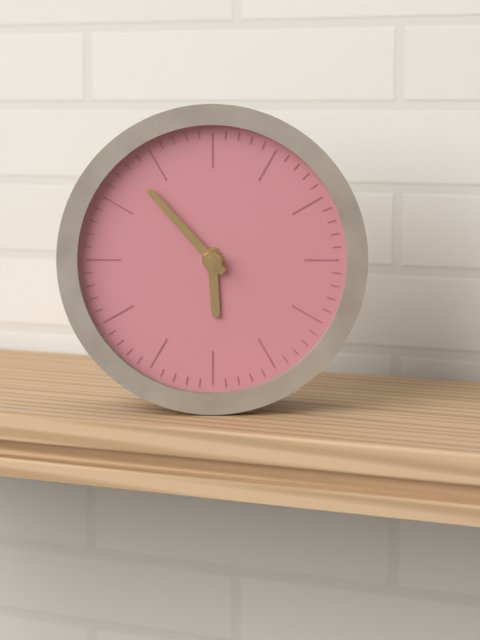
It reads **5:53**
